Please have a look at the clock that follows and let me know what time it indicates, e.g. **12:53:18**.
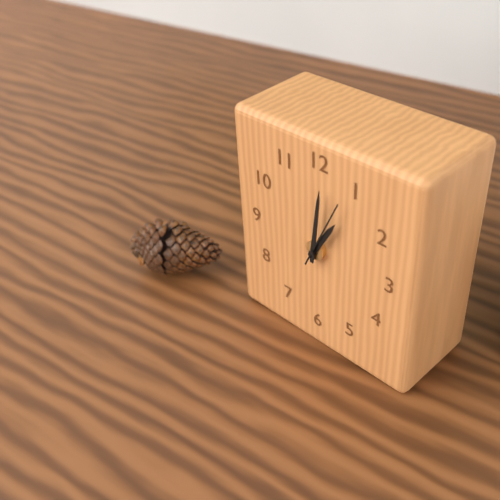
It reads **1:01:04**
